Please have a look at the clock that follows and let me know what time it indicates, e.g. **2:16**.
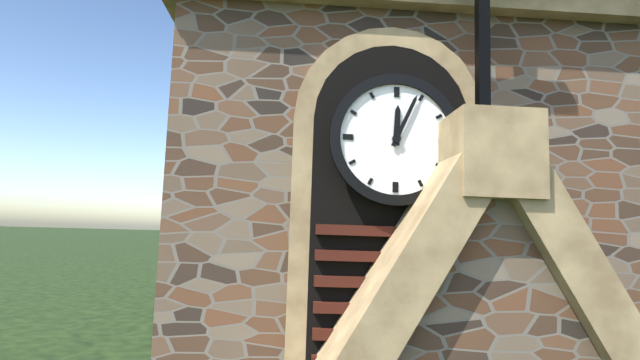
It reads **12:04**
